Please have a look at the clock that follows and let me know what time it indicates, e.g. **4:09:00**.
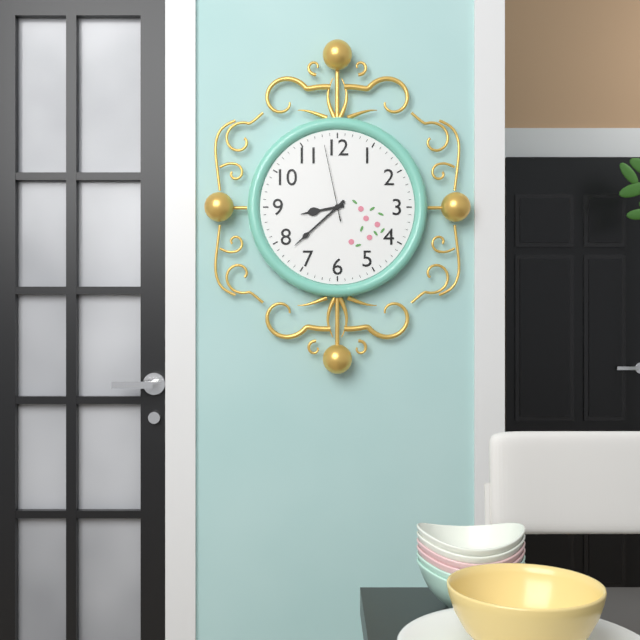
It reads **8:38:58**
